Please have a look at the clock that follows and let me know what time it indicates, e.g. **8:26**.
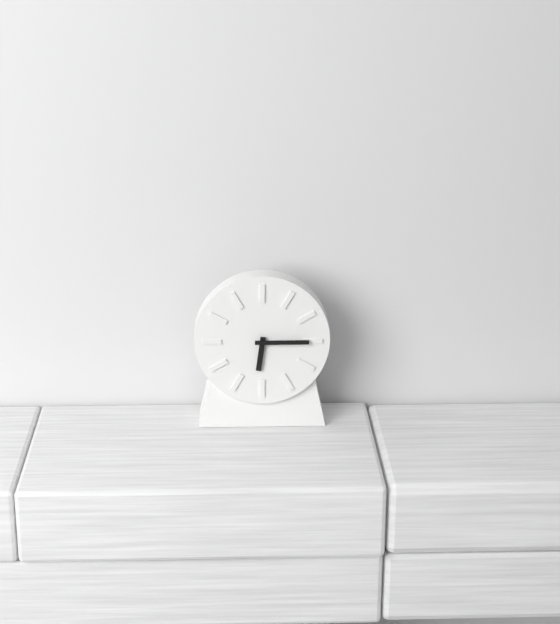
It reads **6:15**
